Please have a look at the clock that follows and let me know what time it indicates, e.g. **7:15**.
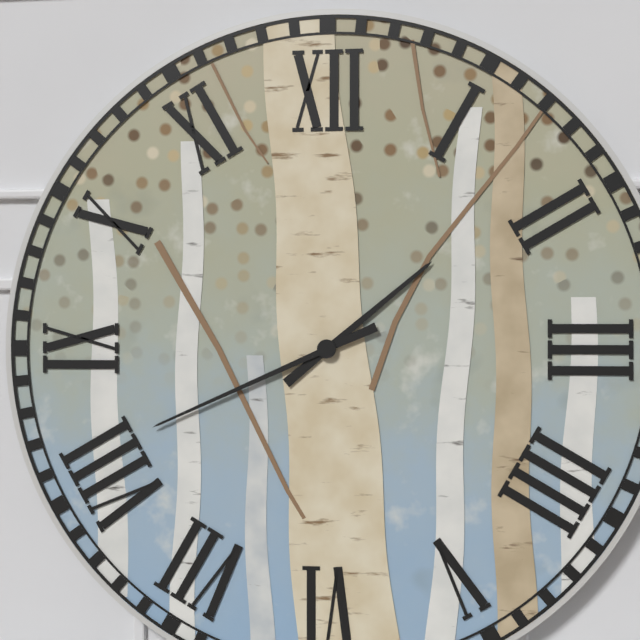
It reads **1:41**
